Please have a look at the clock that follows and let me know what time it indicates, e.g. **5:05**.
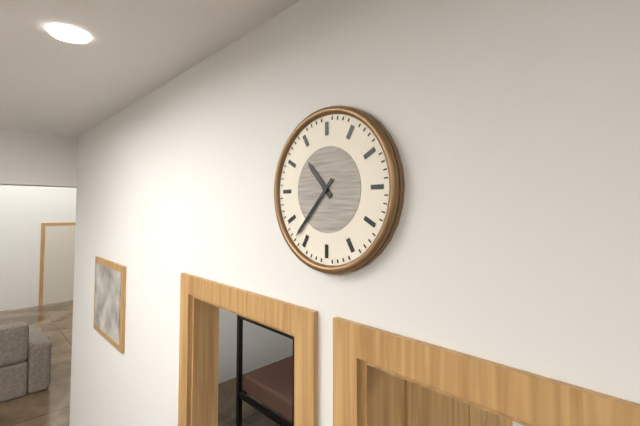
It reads **10:37**
